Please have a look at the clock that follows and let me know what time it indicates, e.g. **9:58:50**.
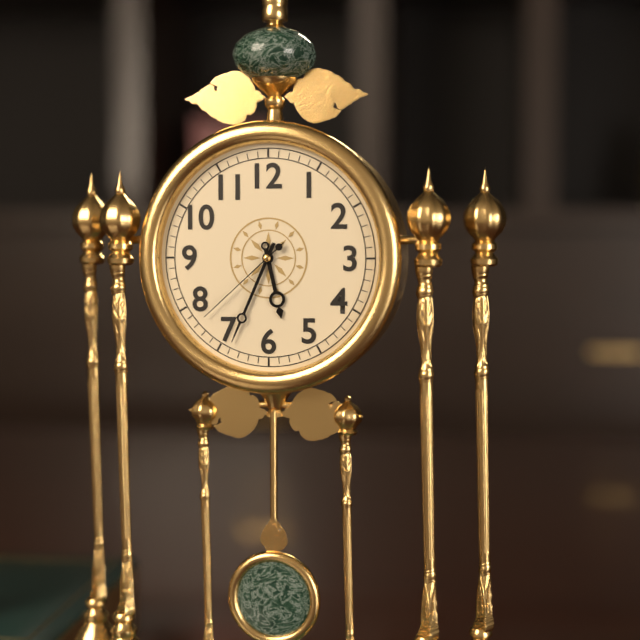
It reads **5:34:38**
